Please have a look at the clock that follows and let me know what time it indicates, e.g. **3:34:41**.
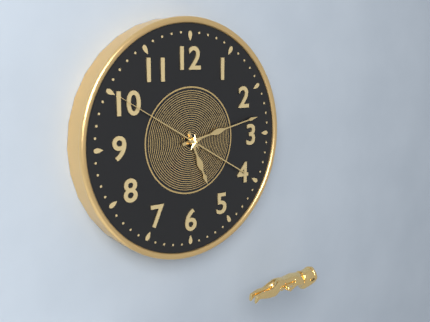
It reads **5:13:50**
